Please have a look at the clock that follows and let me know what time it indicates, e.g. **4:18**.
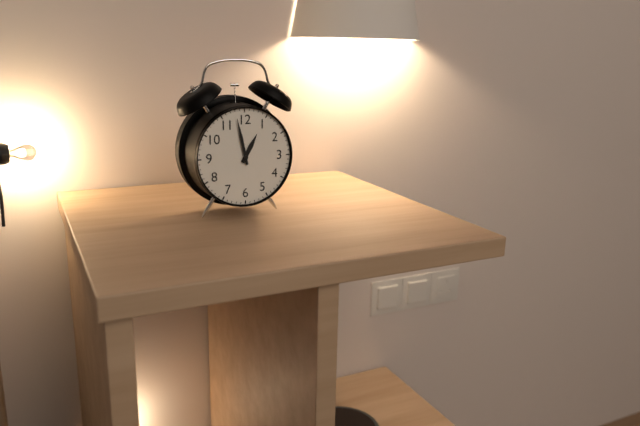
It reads **12:58**
